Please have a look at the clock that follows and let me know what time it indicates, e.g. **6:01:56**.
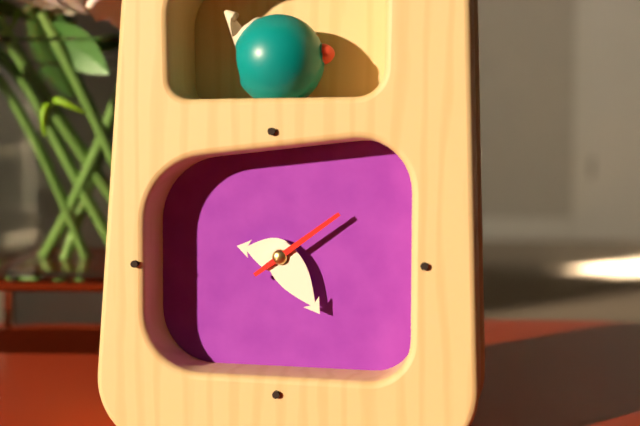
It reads **9:24:09**
